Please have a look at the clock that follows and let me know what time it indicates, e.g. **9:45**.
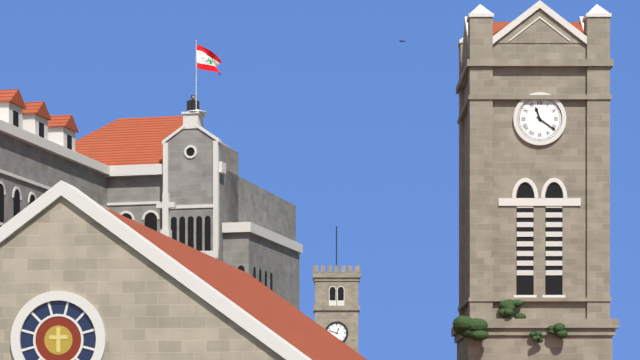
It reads **11:21**
